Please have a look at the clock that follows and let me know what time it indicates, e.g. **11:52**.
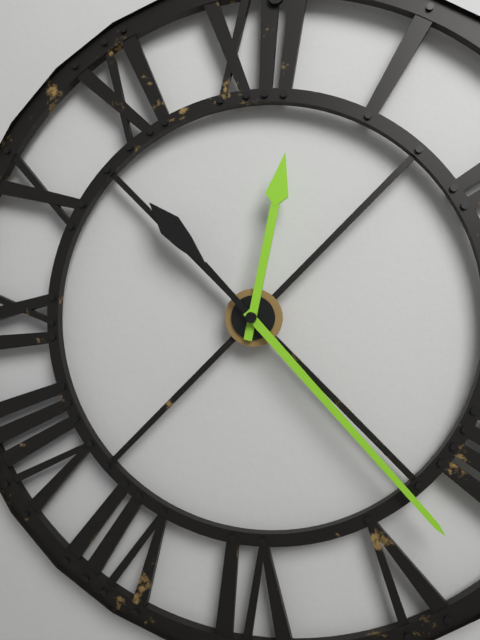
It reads **12:23**
